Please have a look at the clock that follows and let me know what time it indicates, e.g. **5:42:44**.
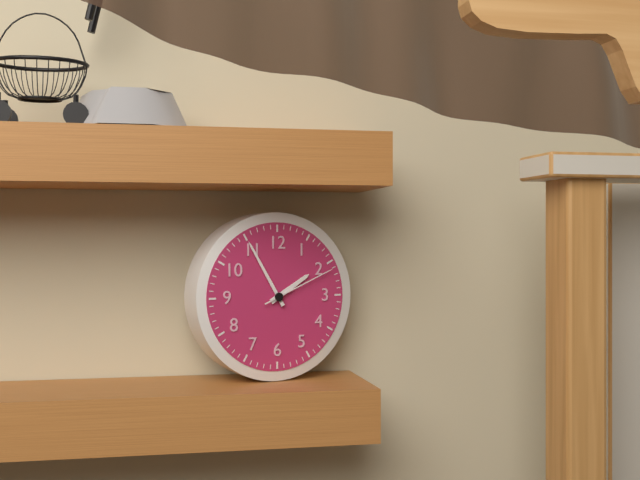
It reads **1:55:11**
